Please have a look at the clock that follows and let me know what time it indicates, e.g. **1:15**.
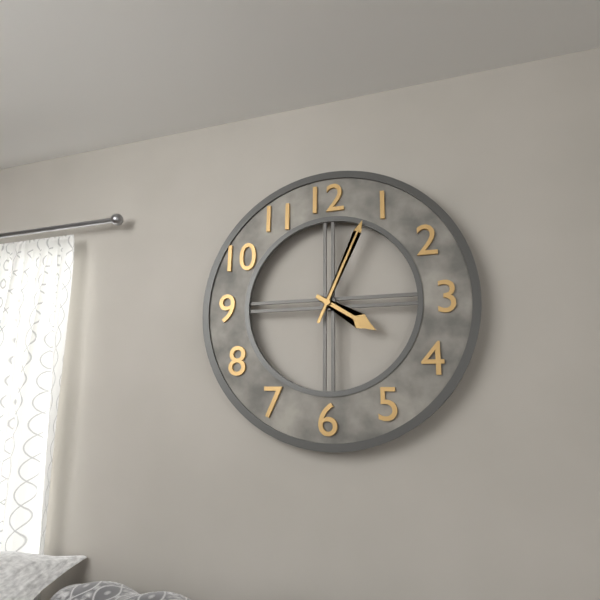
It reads **4:04**
